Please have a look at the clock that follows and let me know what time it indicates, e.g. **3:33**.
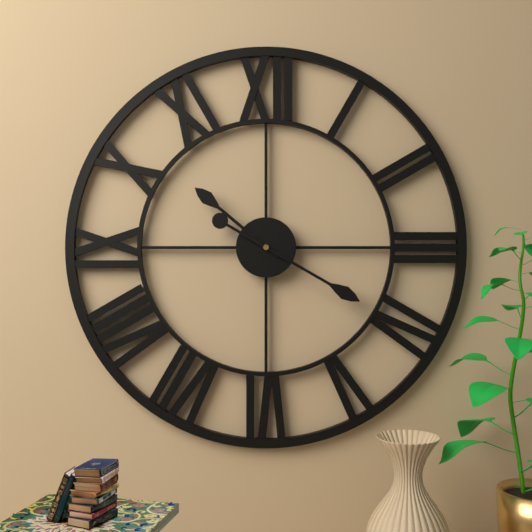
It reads **10:20**
